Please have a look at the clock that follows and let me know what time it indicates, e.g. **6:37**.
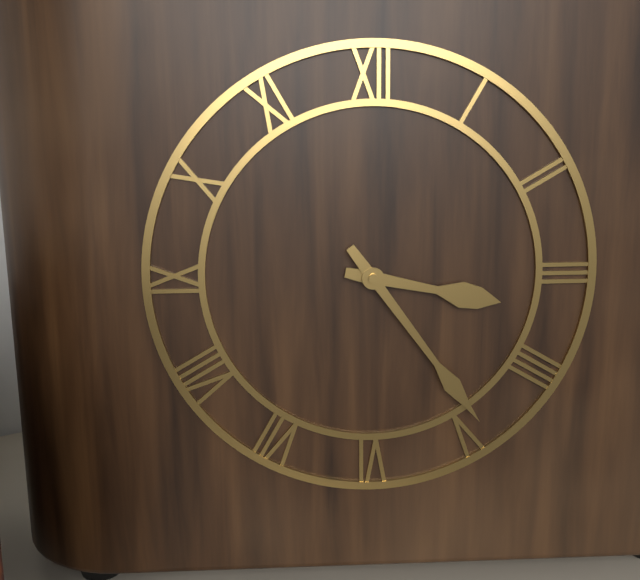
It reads **3:24**
